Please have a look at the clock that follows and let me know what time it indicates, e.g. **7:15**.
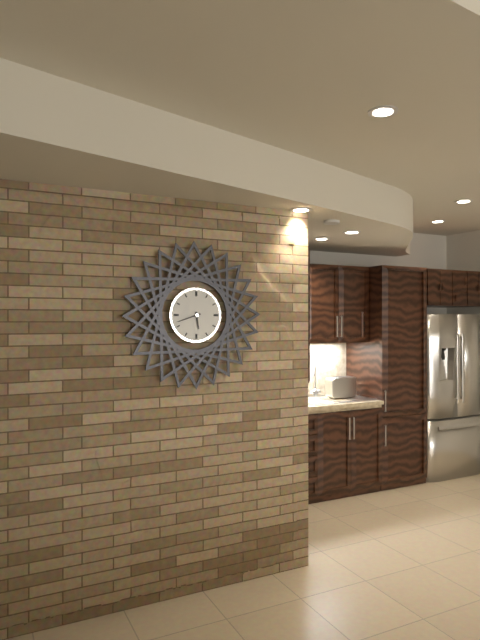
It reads **5:42**
